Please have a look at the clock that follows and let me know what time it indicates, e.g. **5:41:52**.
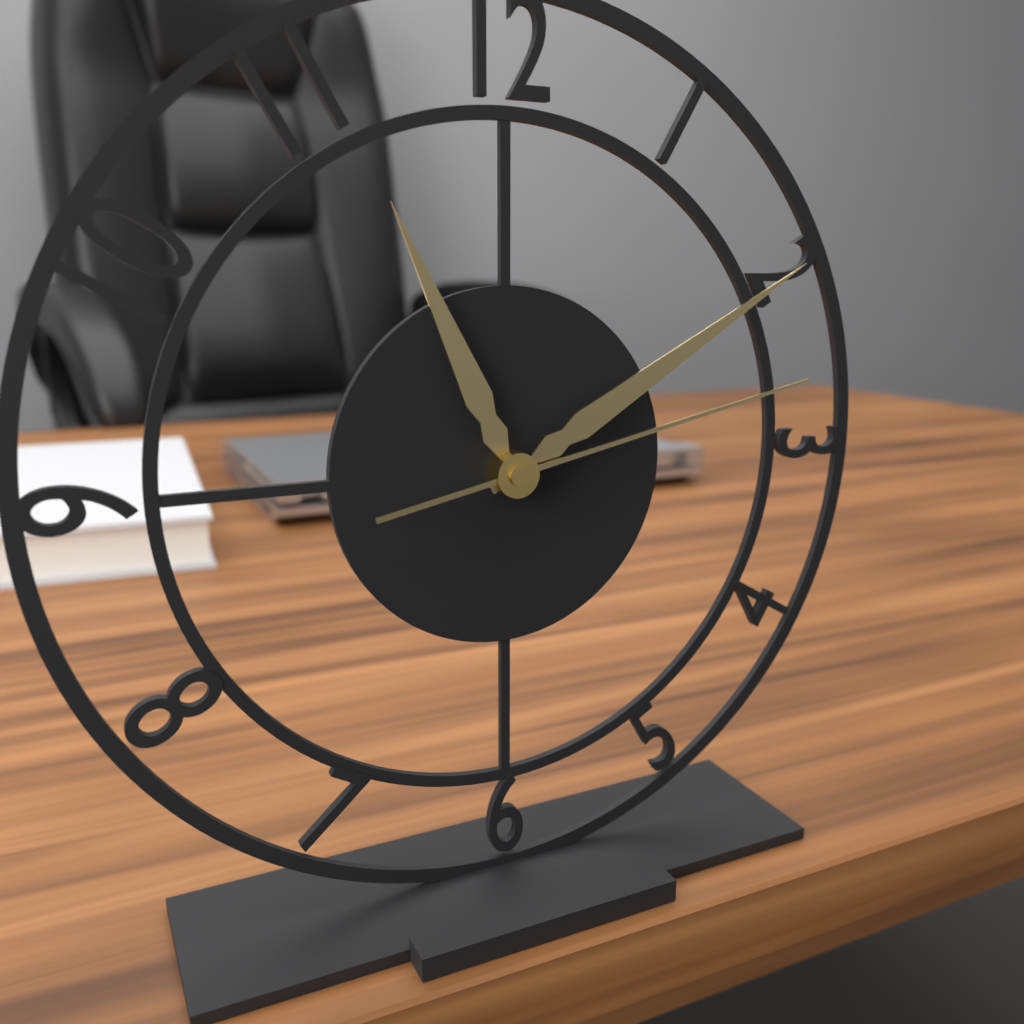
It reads **11:10:13**
